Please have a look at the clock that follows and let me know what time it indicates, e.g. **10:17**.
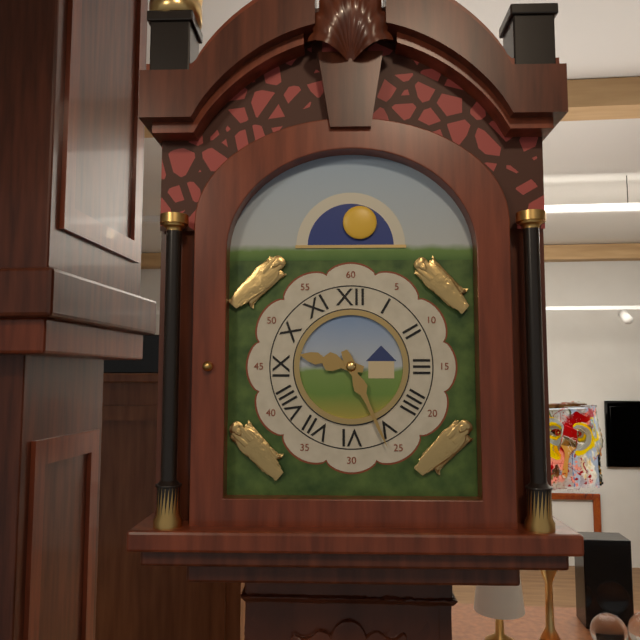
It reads **9:26**
